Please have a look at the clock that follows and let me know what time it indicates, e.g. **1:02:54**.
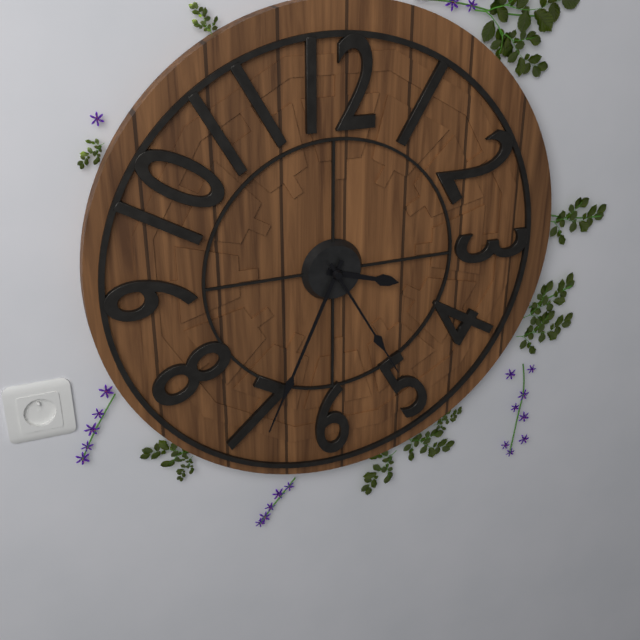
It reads **3:34:25**
